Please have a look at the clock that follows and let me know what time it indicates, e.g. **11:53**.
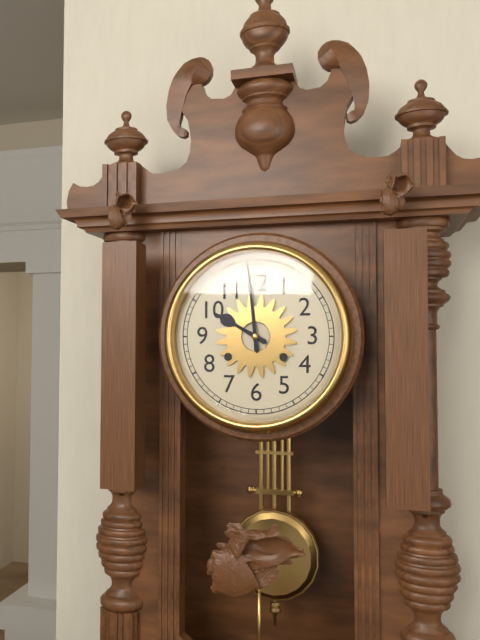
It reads **9:59**
